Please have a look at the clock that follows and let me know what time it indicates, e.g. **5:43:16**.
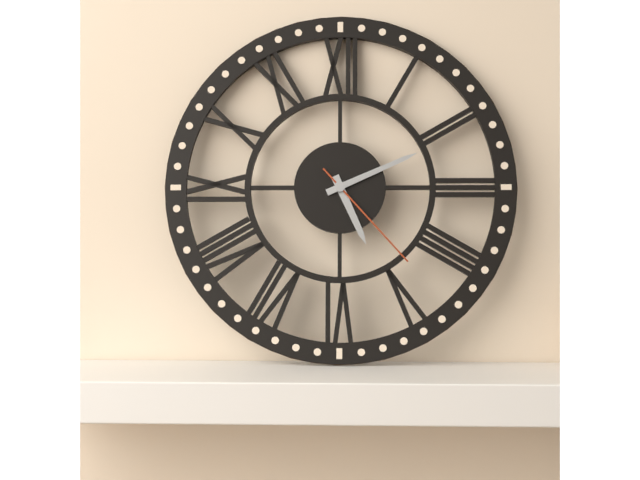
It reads **5:11:23**
